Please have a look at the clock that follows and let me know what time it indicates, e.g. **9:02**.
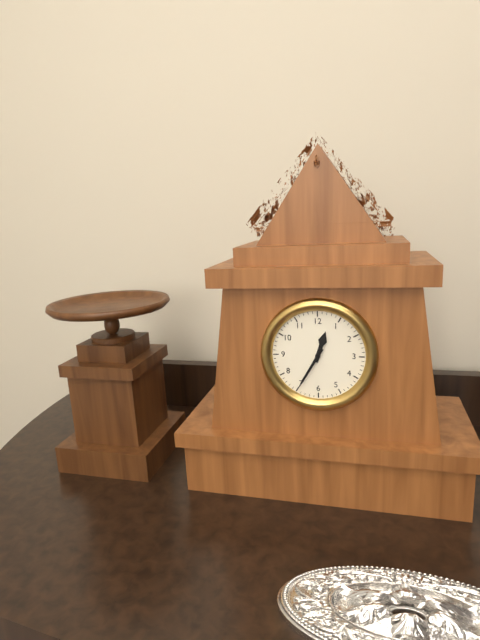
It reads **12:35**
